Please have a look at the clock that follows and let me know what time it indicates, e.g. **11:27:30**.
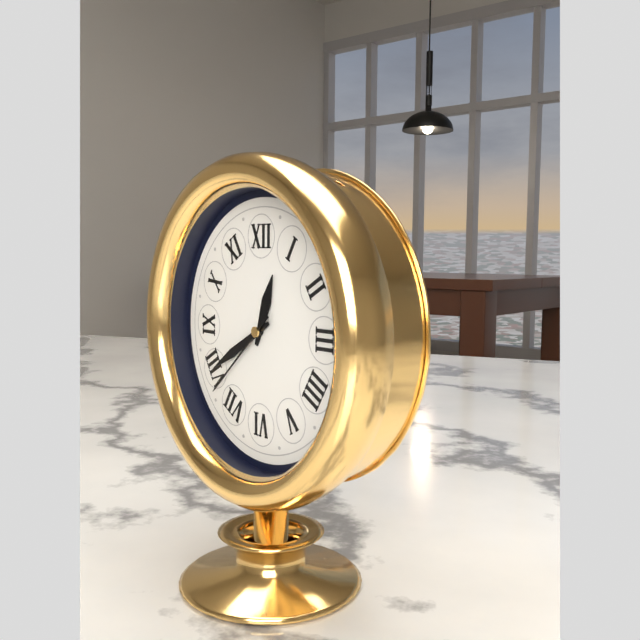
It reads **12:40:38**
